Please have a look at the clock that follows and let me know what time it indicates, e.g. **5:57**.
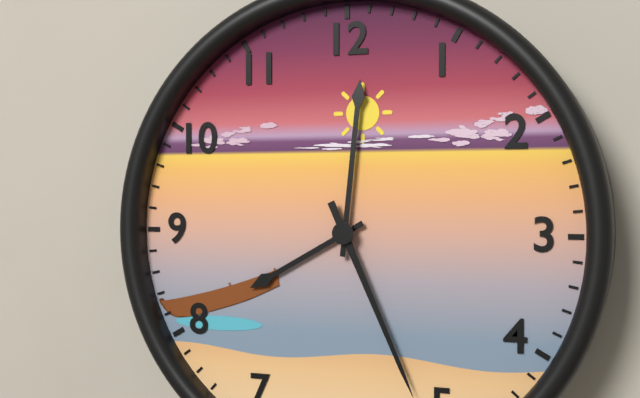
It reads **8:01**
